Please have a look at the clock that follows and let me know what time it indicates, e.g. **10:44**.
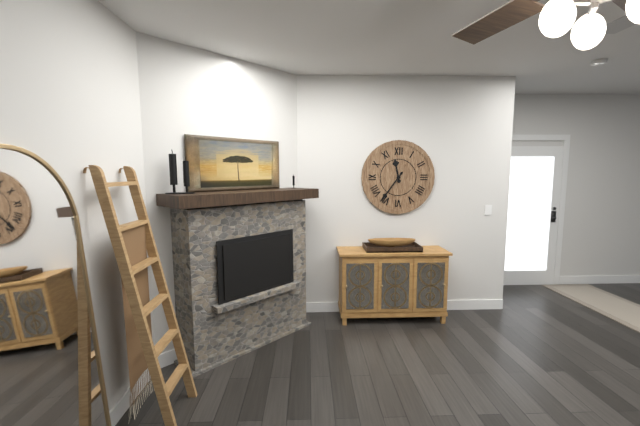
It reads **11:36**
